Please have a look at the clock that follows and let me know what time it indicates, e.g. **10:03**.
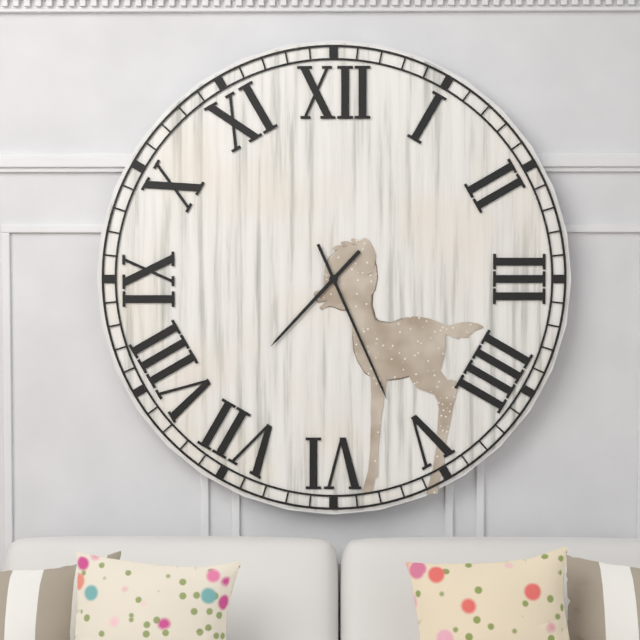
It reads **7:26**
